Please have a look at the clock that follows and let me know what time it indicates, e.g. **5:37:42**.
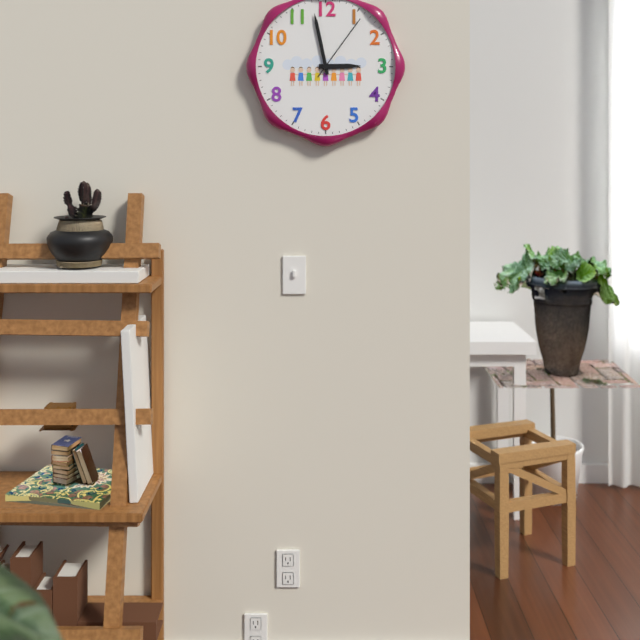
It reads **2:58:06**
